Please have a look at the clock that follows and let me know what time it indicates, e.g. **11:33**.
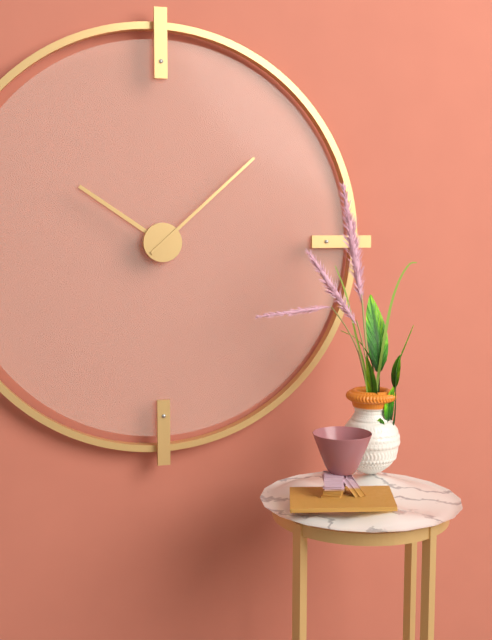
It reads **10:08**
